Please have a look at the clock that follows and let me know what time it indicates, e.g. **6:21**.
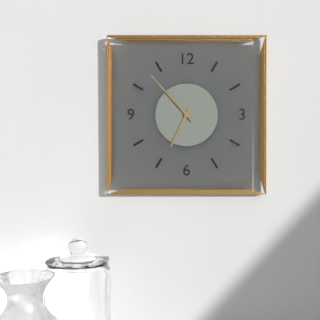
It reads **6:53**
